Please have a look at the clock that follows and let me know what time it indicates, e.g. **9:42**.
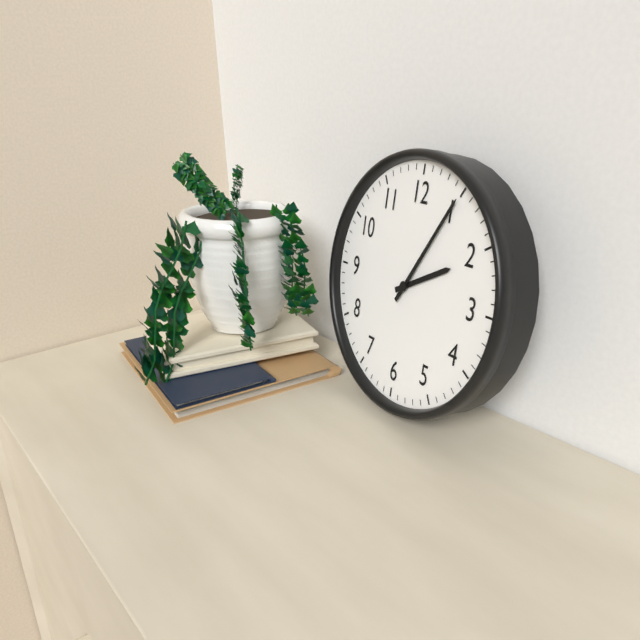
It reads **2:05**
